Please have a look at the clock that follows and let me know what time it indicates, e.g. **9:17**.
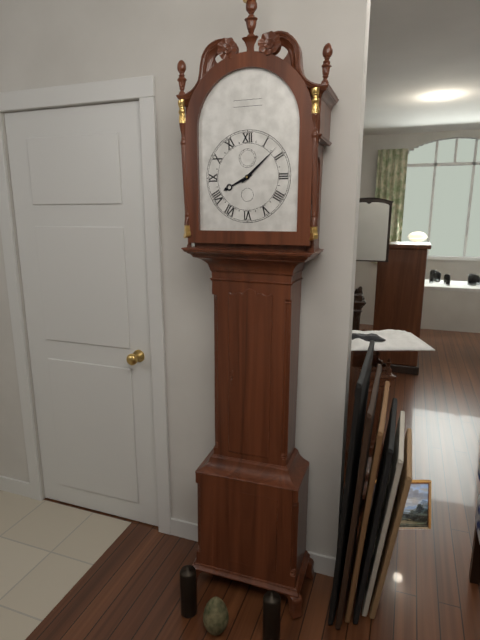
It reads **8:08**
